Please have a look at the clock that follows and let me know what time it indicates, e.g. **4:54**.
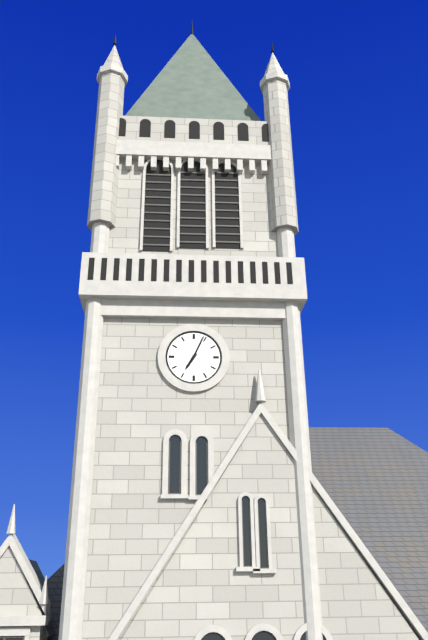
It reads **7:04**
